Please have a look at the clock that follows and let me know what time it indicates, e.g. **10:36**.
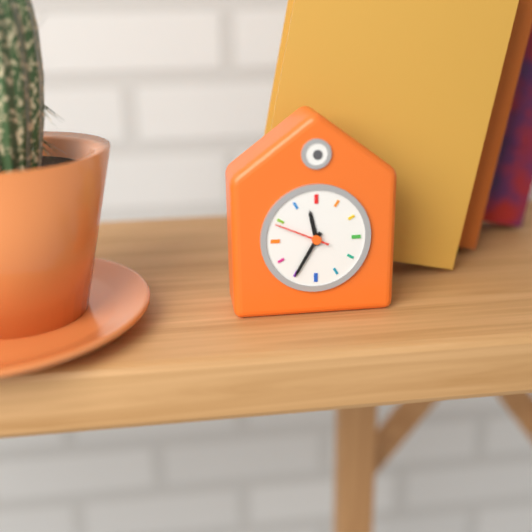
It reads **11:35**
